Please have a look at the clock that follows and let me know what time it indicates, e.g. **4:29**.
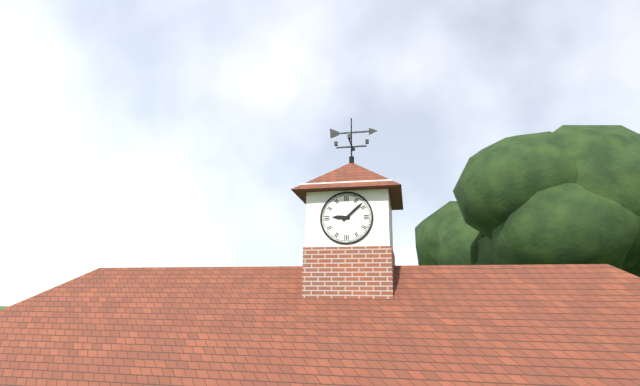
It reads **9:08**
